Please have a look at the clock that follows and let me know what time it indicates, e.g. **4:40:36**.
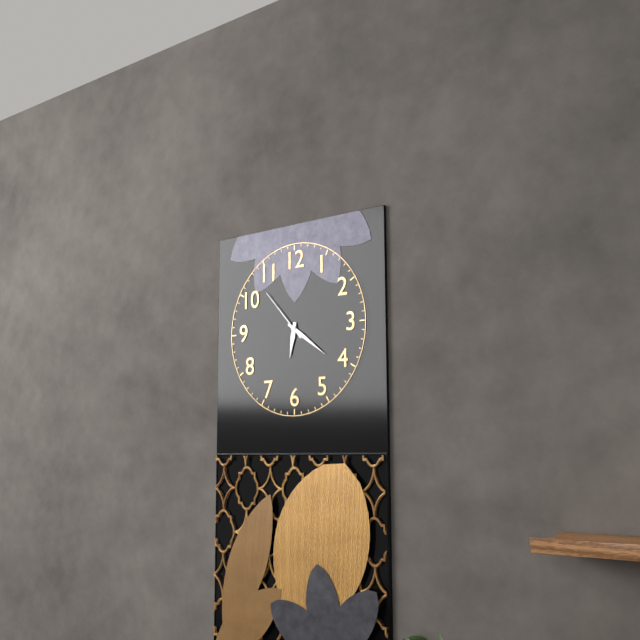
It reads **6:21:53**
